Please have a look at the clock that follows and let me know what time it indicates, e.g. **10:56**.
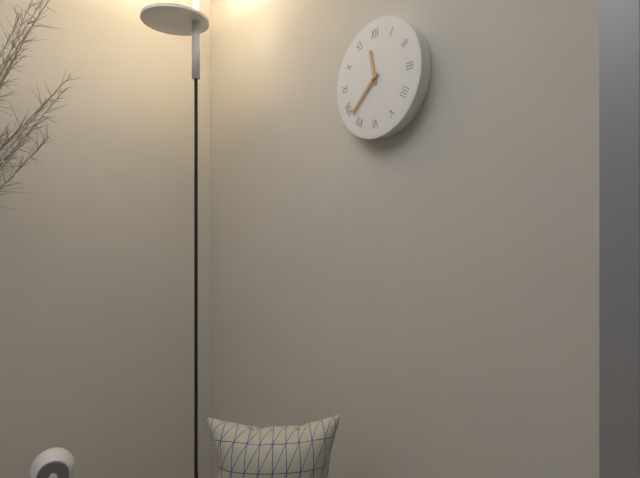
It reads **11:38**
